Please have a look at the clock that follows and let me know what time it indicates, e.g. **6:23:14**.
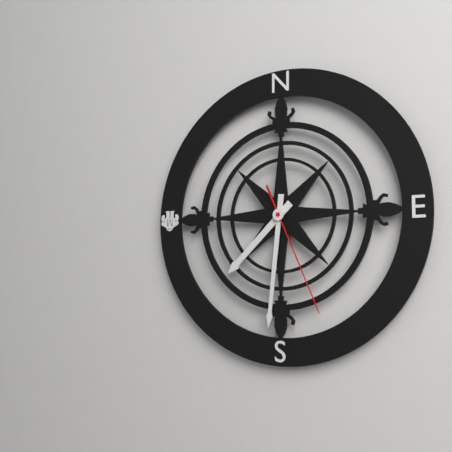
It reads **7:31:26**
